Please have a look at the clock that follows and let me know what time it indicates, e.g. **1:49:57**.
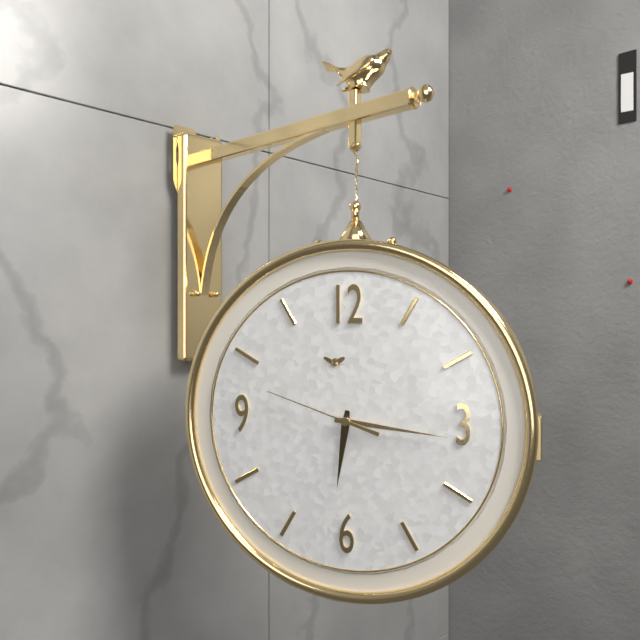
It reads **6:16:48**
